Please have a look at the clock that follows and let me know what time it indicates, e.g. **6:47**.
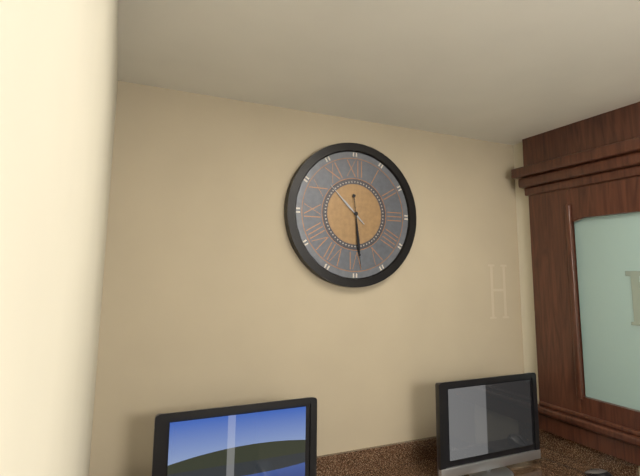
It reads **10:29**
